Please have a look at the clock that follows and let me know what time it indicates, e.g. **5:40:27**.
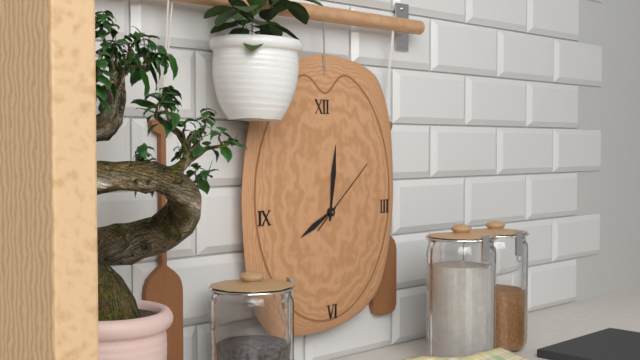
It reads **8:01:08**
